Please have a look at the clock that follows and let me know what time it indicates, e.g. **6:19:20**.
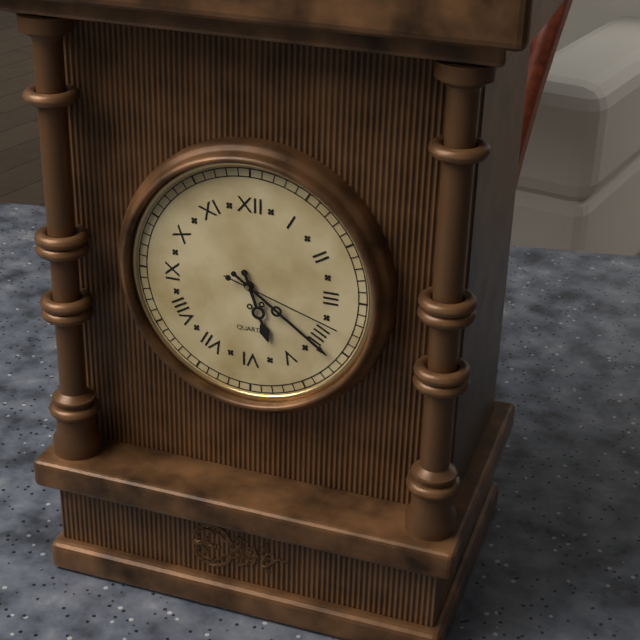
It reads **5:21:18**
